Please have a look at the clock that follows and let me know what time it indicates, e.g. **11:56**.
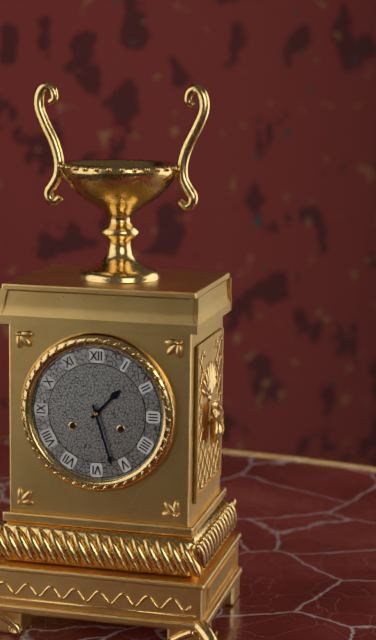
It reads **1:27**
